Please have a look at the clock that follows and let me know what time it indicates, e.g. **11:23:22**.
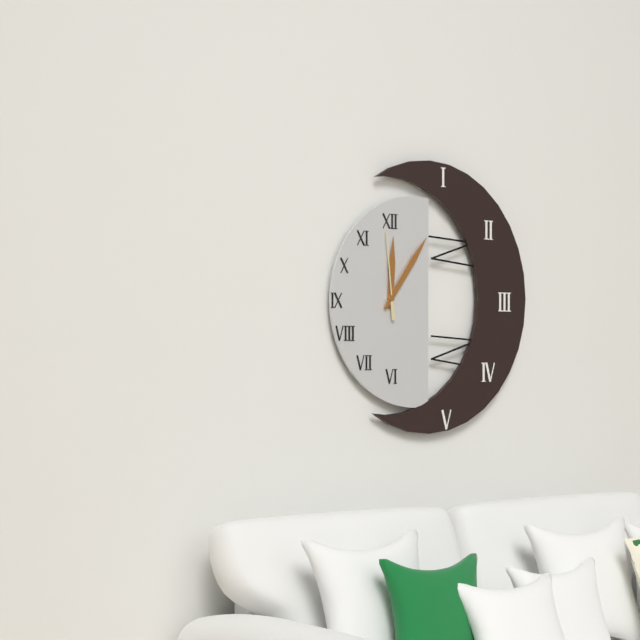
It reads **12:06:59**
